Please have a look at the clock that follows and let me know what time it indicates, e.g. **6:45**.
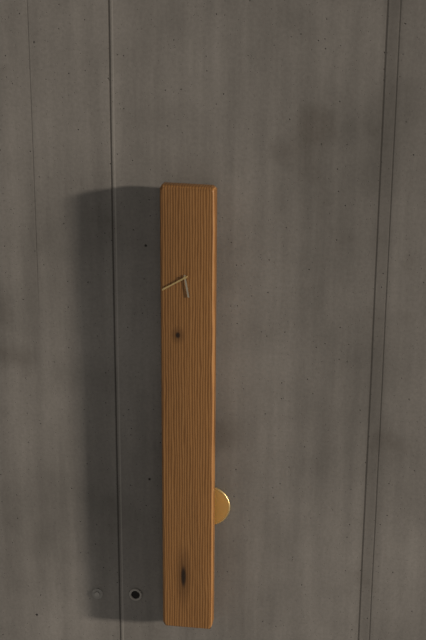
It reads **5:40**
